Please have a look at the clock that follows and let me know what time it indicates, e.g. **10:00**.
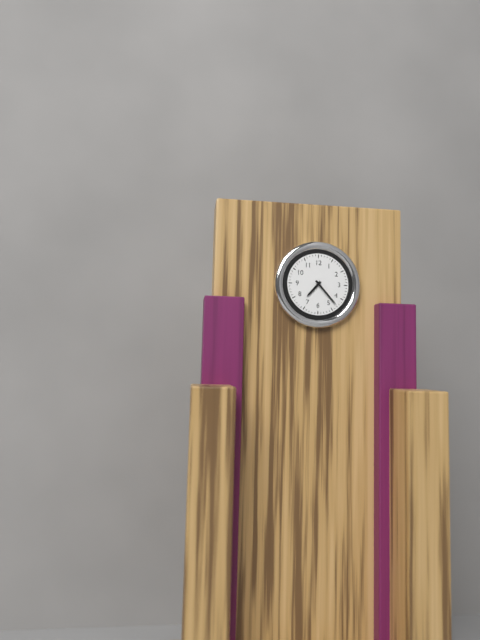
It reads **7:23**
